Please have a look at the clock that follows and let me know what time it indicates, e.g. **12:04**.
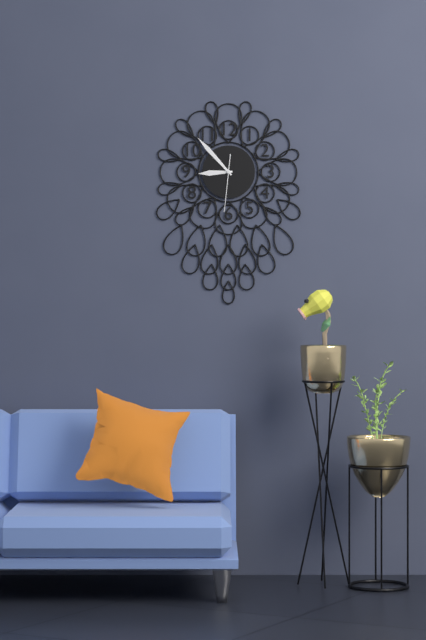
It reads **8:53**
